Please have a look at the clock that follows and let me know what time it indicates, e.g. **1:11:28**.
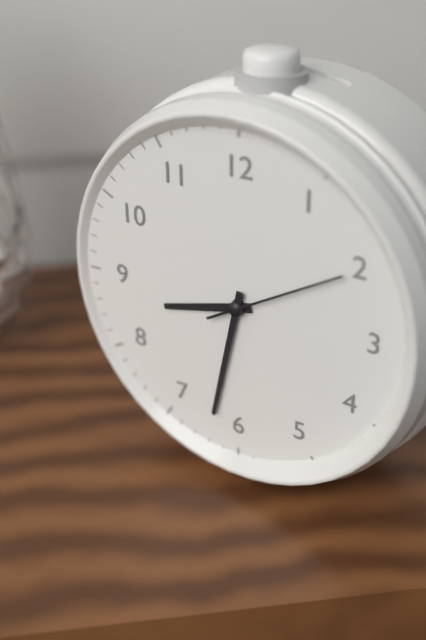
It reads **8:32:10**
